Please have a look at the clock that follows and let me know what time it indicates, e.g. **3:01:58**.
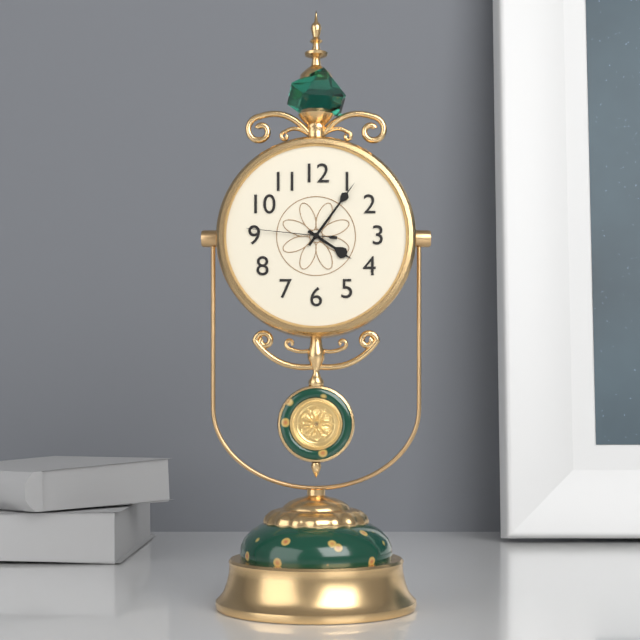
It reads **4:06:46**
